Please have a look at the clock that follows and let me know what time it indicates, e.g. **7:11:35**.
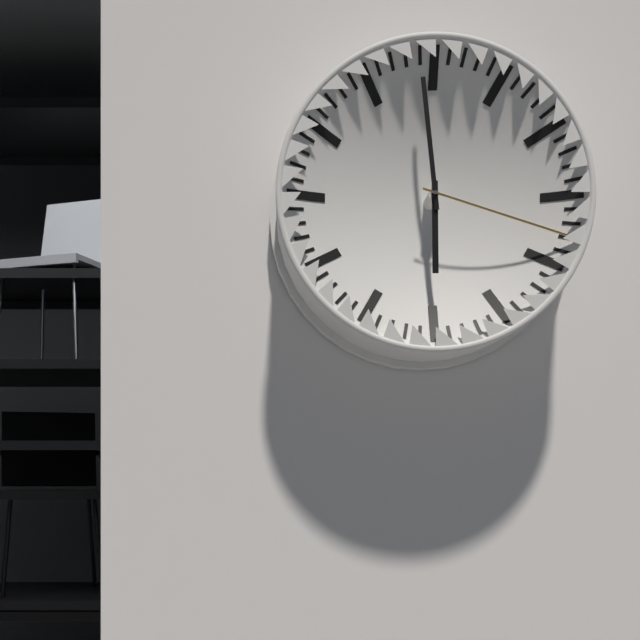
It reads **5:59:18**
